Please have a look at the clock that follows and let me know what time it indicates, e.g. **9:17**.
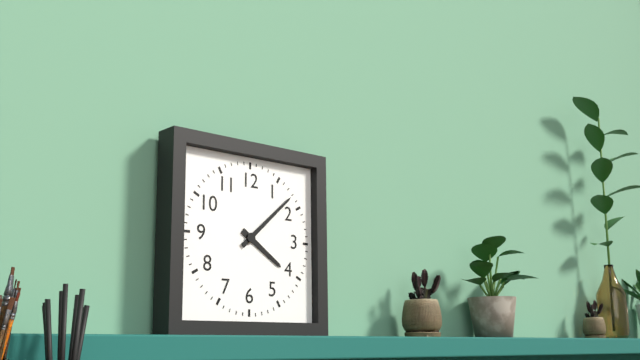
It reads **4:08**
